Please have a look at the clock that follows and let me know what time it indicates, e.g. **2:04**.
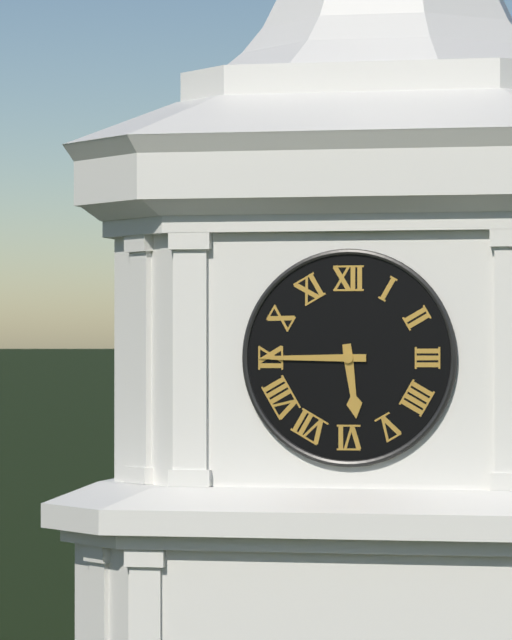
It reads **5:45**
